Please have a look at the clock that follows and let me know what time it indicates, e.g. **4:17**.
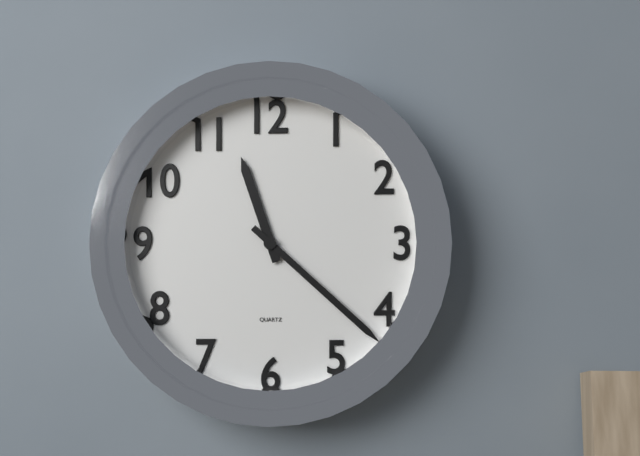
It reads **11:22**
